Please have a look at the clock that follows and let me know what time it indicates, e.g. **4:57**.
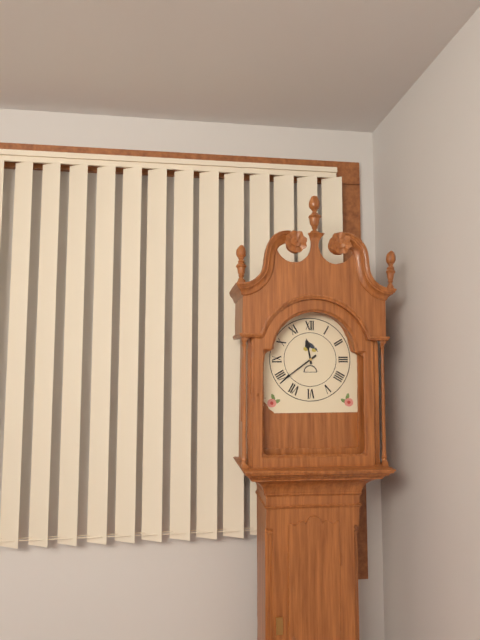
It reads **11:39**
